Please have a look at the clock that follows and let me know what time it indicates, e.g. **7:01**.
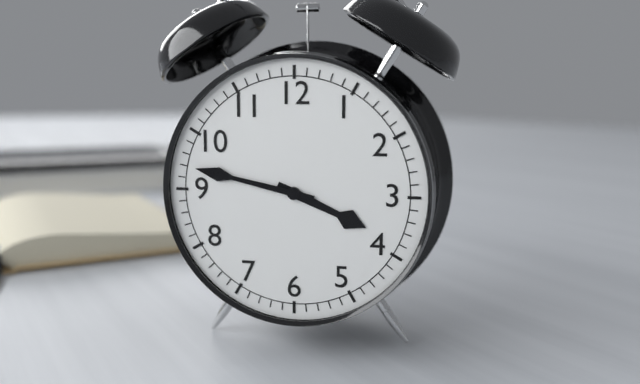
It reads **3:47**
